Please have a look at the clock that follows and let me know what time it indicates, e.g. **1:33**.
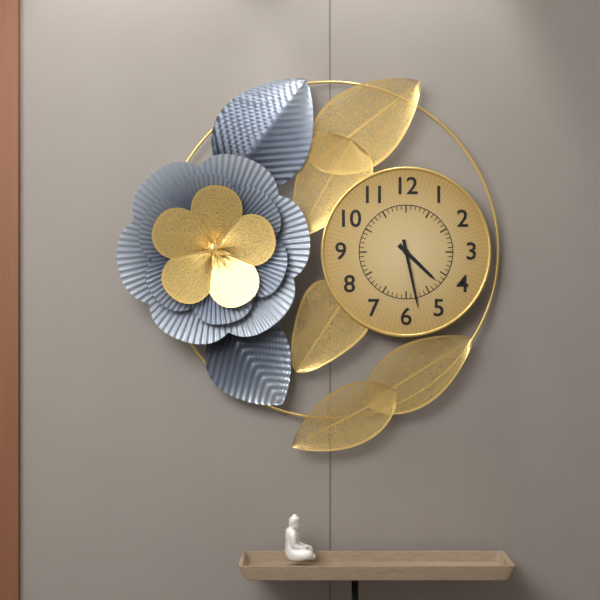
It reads **4:28**
